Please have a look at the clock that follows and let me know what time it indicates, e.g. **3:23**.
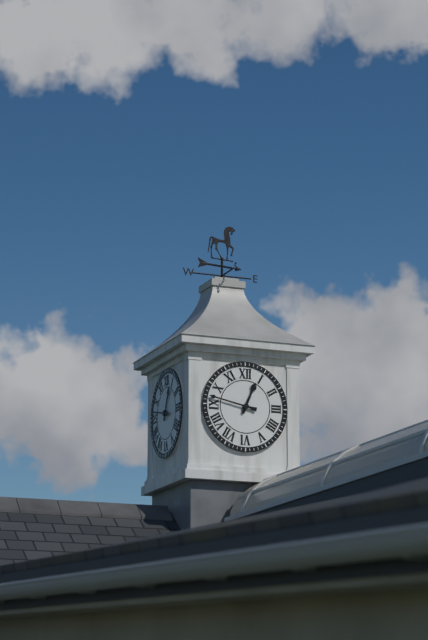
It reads **12:47**
